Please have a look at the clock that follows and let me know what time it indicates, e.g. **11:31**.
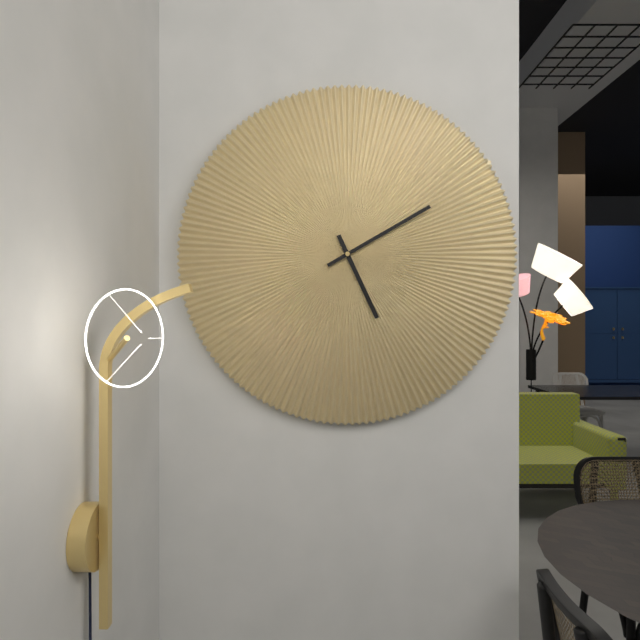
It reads **5:10**
